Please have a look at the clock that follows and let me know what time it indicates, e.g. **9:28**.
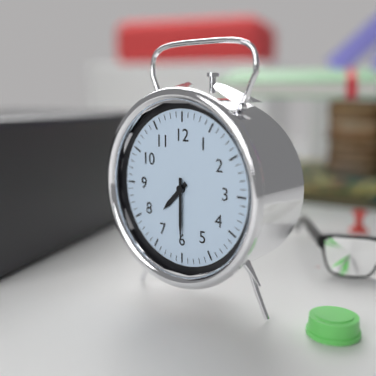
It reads **7:30**
